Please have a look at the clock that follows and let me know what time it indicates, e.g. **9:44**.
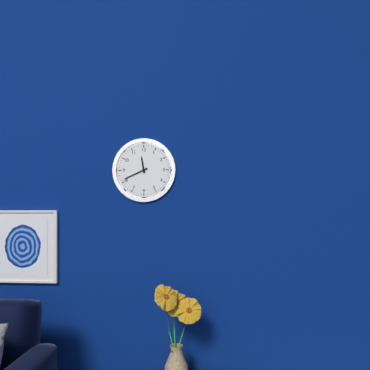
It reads **11:41**
